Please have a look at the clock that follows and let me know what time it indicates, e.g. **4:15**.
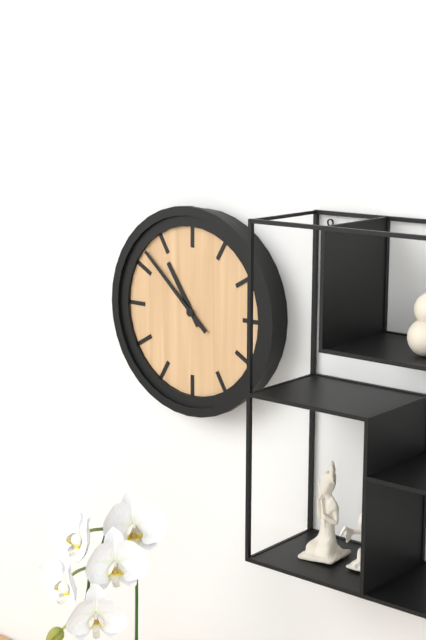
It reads **10:52**
